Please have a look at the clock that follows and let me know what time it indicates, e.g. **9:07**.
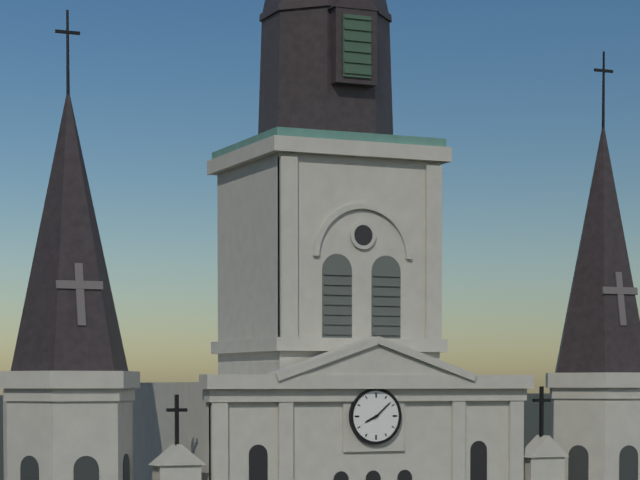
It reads **8:08**
